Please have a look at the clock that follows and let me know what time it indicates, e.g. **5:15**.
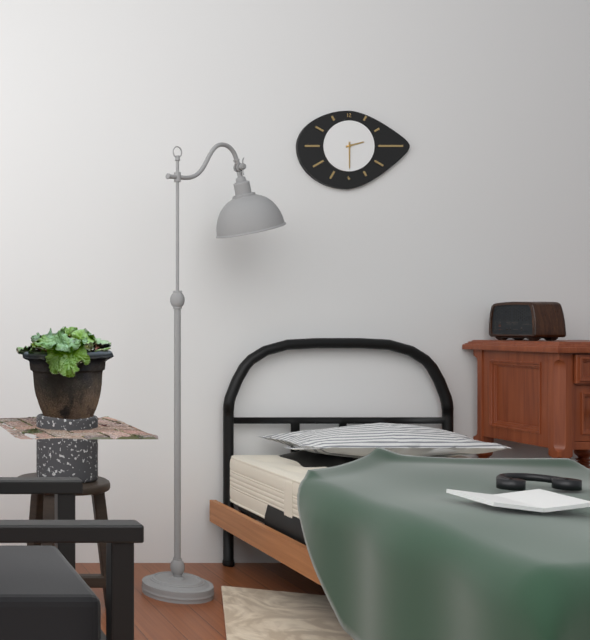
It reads **2:30**
